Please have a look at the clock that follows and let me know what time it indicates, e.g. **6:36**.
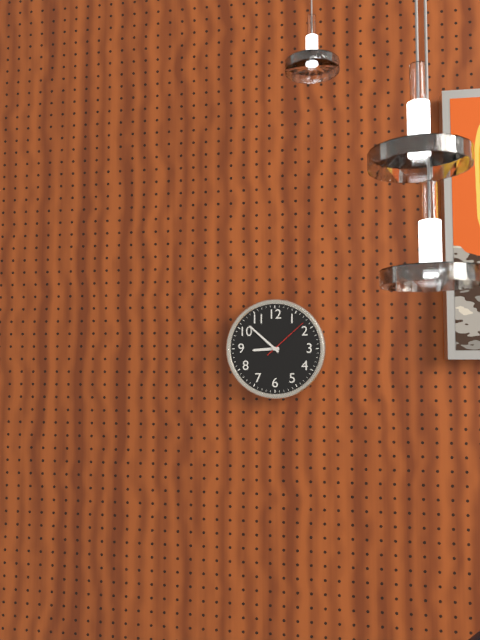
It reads **8:52**
